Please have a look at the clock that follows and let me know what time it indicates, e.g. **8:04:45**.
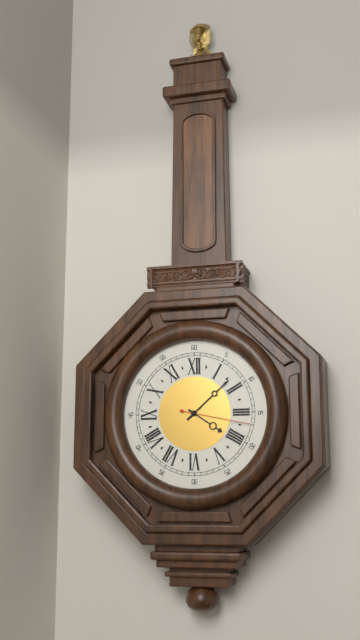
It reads **4:08:17**
